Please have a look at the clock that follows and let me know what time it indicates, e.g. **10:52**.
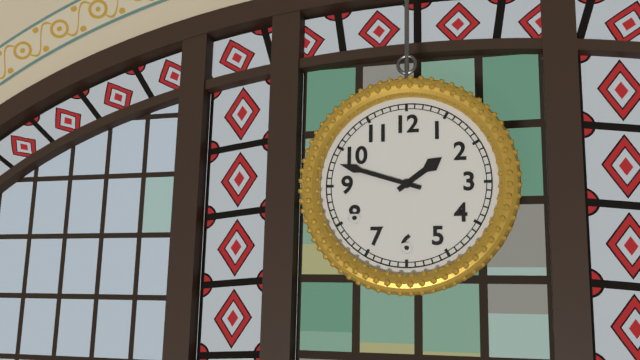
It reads **1:48**
